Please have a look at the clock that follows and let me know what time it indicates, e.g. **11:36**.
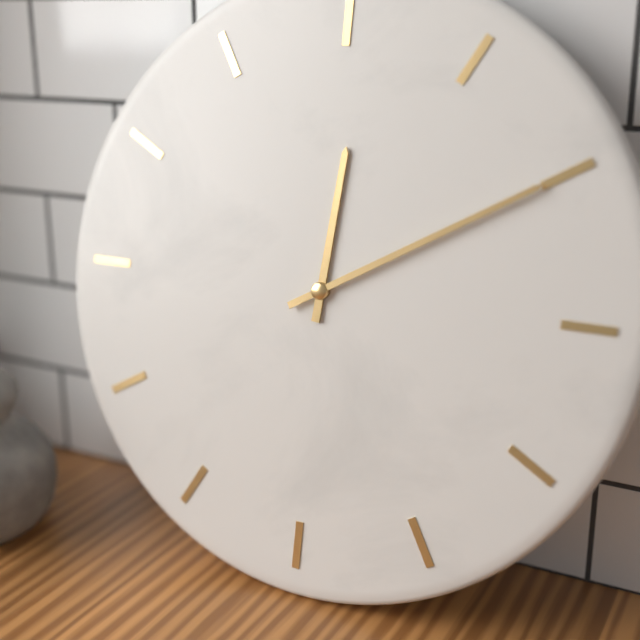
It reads **12:10**
